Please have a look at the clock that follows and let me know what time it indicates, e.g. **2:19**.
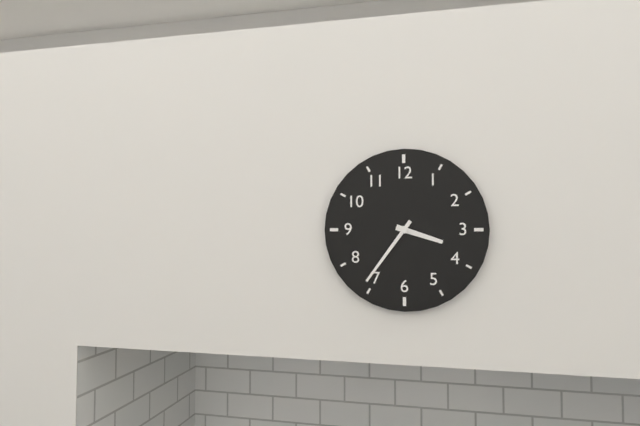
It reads **3:36**
